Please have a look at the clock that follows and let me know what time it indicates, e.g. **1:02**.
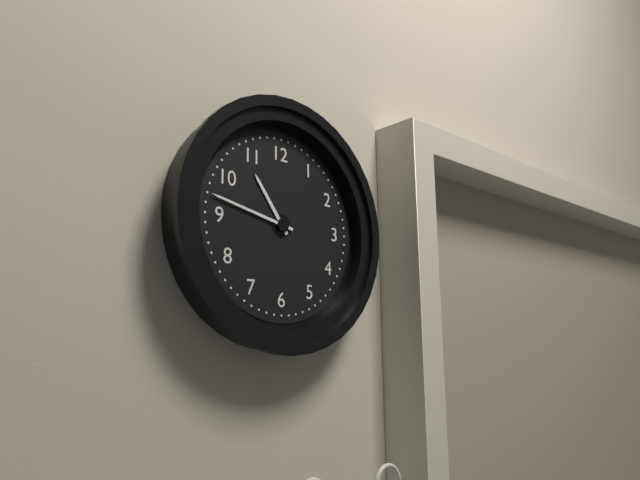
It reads **10:47**
